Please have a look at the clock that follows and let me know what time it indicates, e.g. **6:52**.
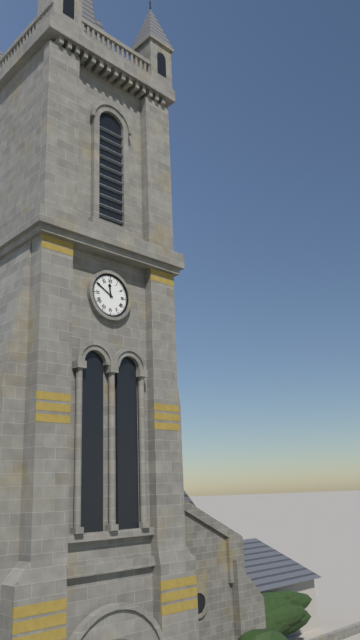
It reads **11:50**
